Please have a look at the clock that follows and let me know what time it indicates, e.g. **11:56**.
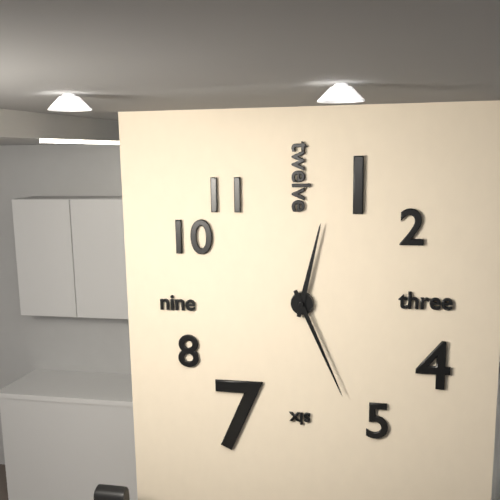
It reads **12:26**
